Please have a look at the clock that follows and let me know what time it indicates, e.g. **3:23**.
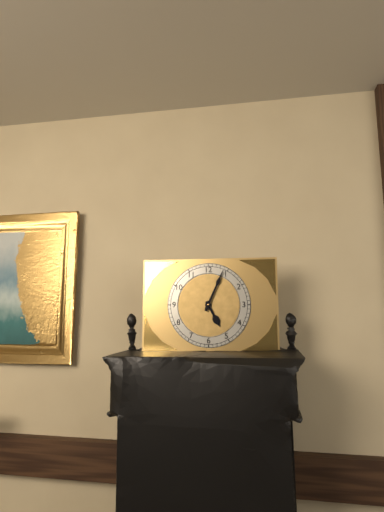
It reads **5:04**
